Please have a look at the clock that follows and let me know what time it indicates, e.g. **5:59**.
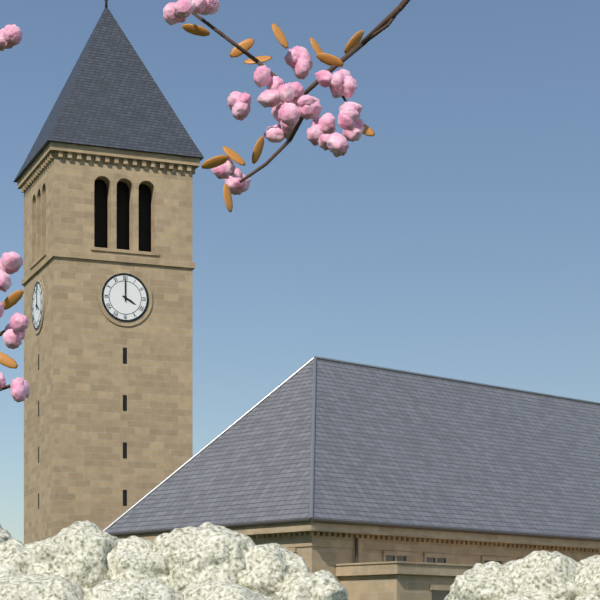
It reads **4:00**
